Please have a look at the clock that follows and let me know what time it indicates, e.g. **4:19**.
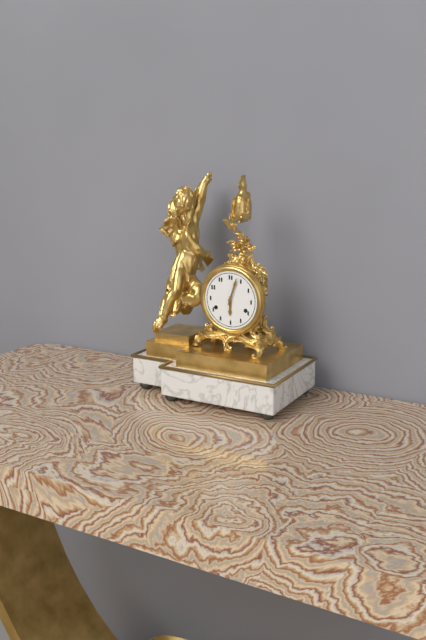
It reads **6:03**
